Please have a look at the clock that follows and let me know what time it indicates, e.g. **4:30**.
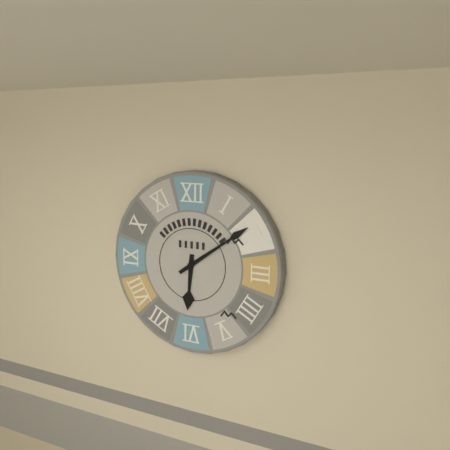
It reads **6:09**
